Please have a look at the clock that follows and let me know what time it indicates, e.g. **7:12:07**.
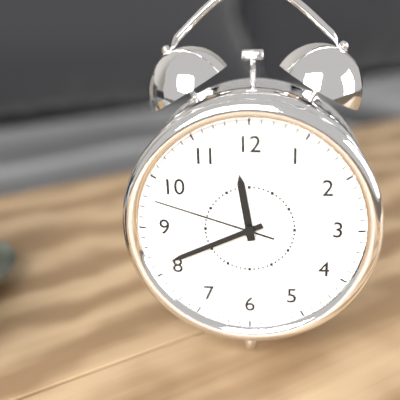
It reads **11:41:48**
